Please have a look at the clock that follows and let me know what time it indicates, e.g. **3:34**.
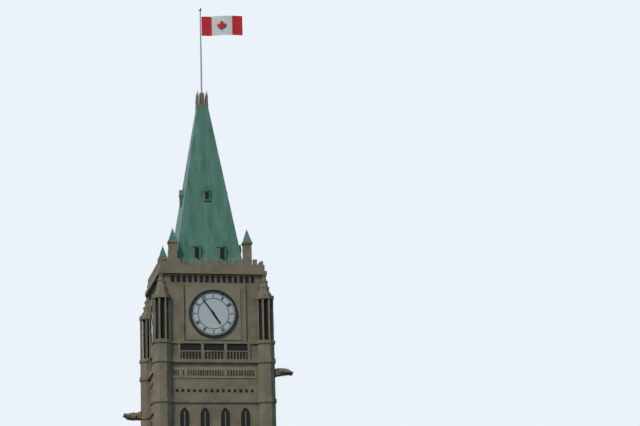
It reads **4:54**
